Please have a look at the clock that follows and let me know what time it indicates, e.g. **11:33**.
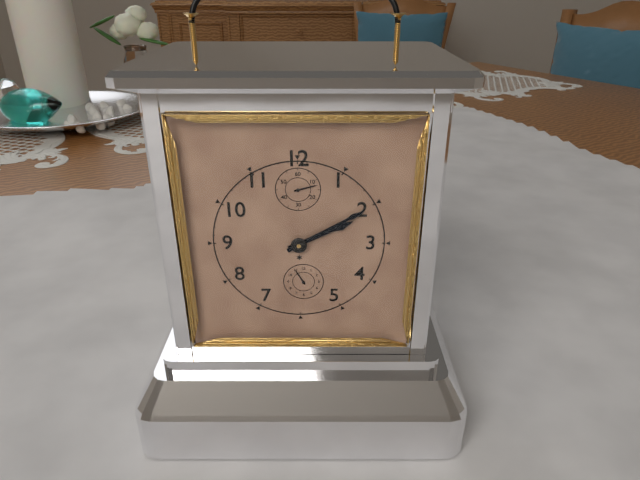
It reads **2:10**
